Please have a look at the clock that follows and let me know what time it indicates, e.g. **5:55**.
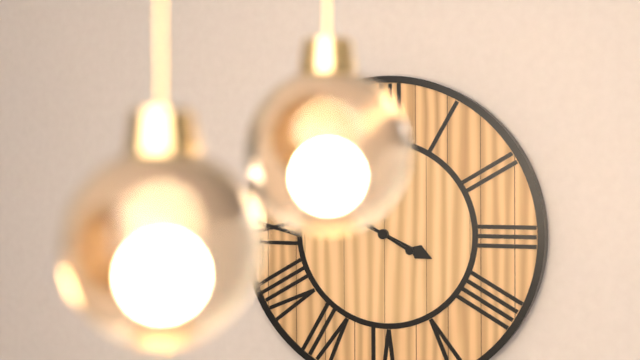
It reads **3:50**
